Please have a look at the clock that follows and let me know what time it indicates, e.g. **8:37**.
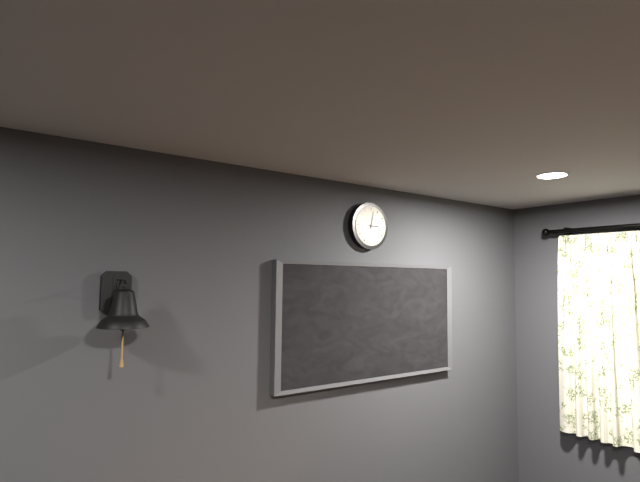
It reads **3:02**
